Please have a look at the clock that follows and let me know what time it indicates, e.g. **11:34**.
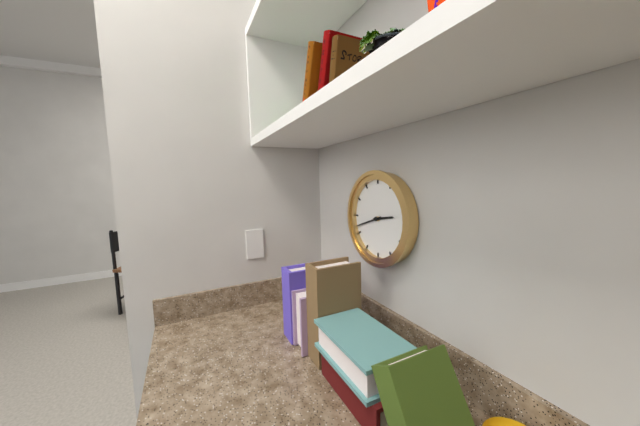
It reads **2:42**
